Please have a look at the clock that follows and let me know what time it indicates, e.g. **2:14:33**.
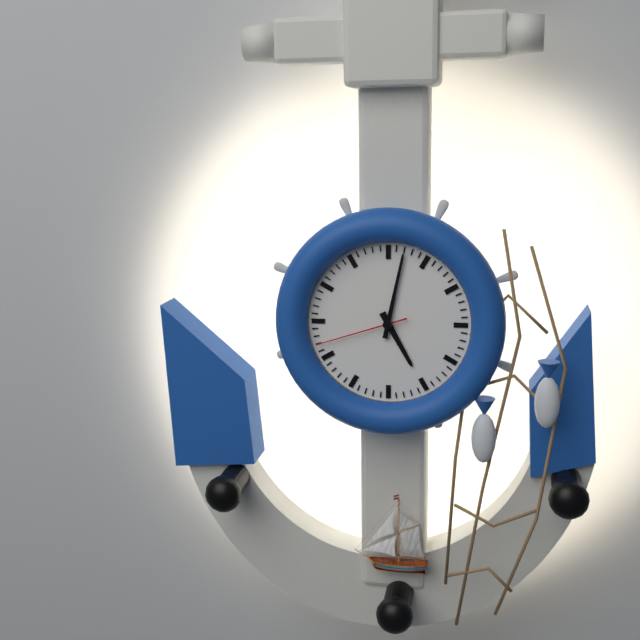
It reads **5:02:42**
